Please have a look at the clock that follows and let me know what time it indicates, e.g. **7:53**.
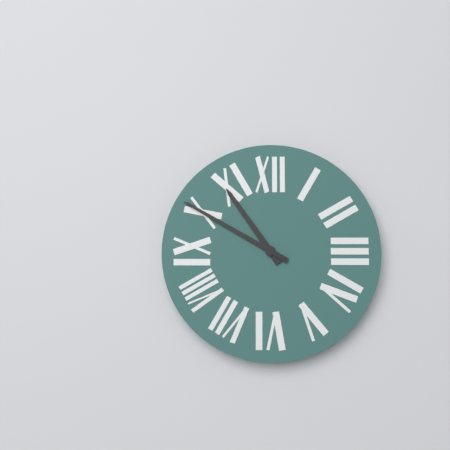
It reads **10:50**
